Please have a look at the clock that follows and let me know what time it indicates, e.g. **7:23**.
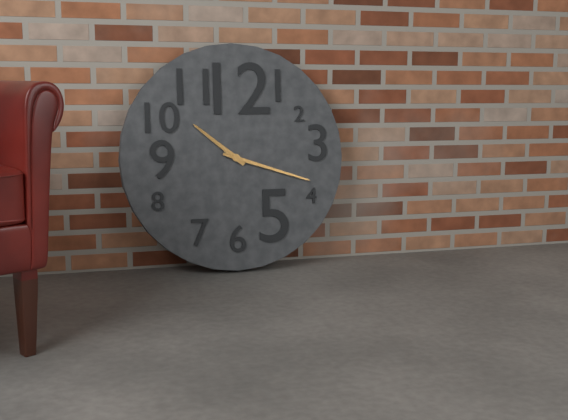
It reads **10:18**
